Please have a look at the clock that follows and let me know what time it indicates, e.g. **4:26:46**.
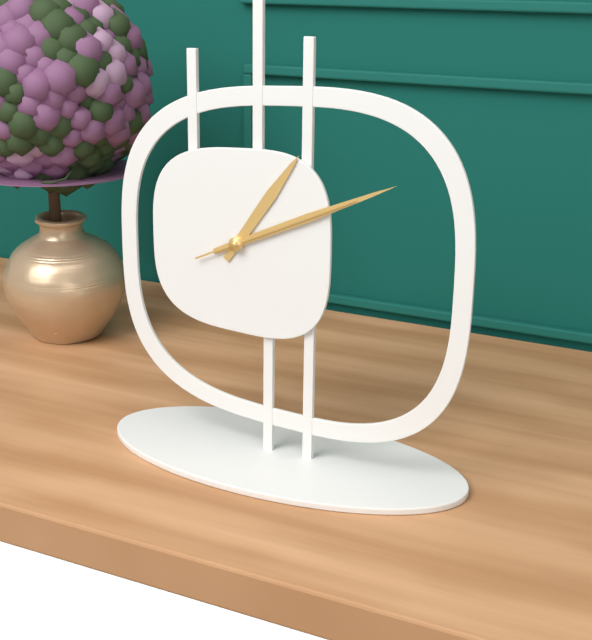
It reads **1:11:11**
